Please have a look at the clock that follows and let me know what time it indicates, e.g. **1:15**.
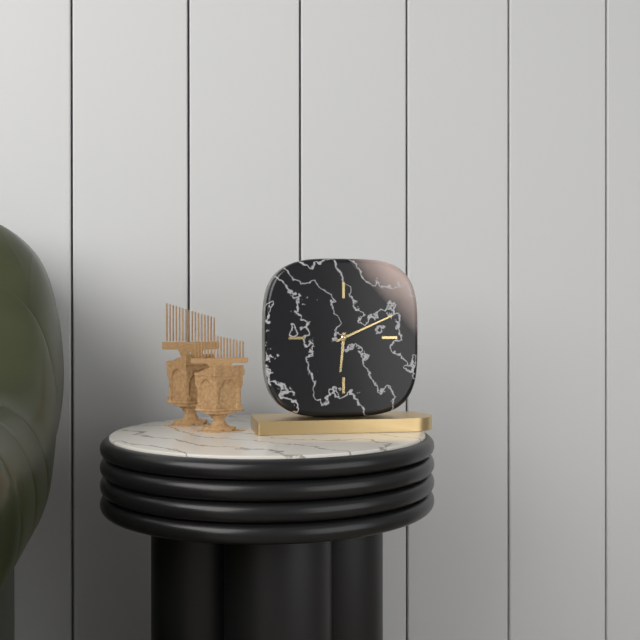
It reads **6:11**
